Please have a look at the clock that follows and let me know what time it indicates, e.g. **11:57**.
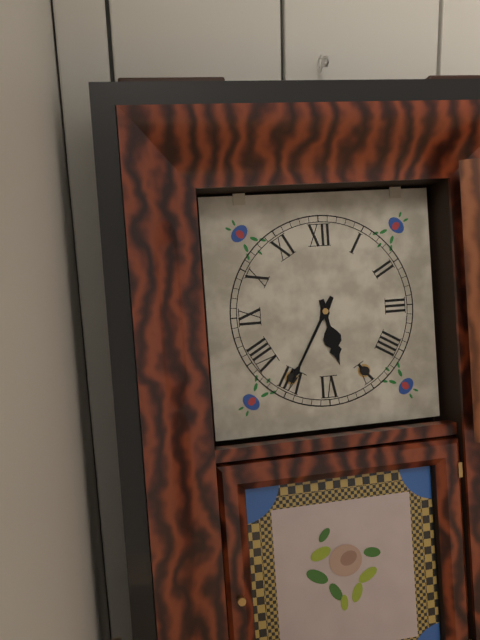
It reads **5:35**
